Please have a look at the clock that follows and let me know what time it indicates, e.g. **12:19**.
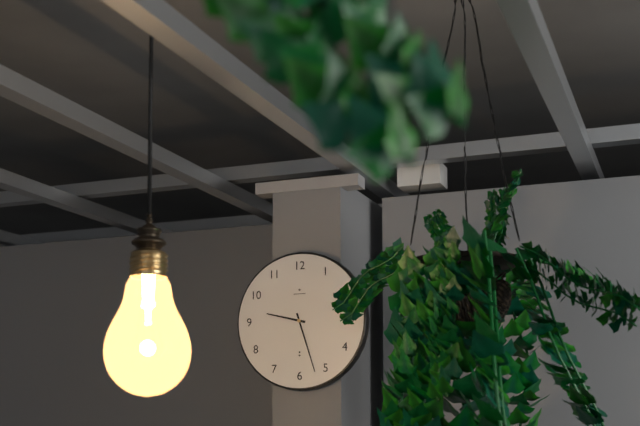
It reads **9:27**
